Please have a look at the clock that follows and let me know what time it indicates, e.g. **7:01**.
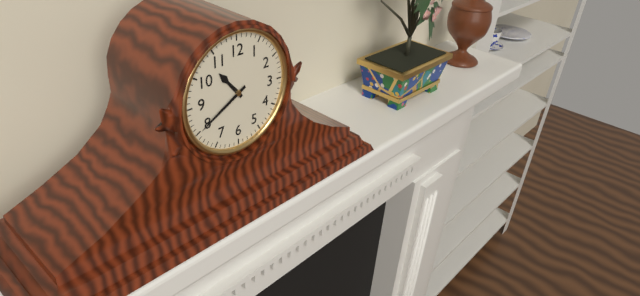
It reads **10:40**
